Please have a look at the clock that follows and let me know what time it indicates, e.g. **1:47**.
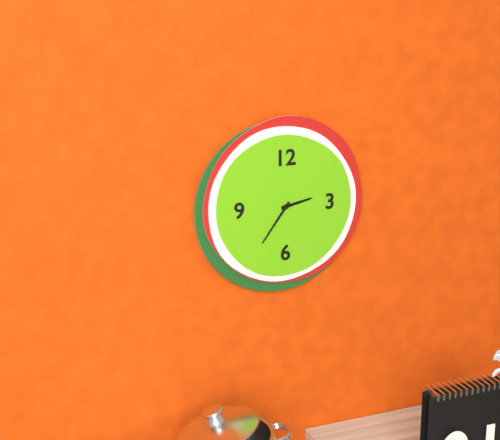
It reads **2:36**
